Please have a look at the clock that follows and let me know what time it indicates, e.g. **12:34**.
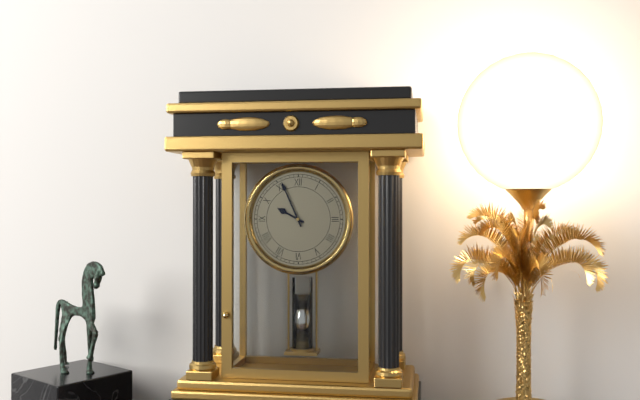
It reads **9:56**
